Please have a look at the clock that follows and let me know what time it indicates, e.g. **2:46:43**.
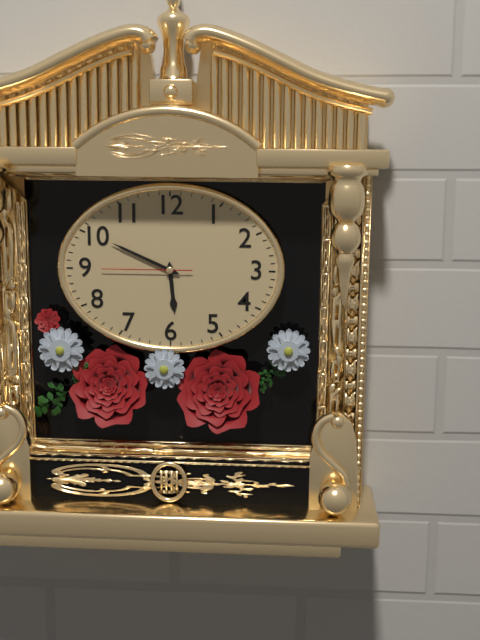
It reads **5:49:45**
